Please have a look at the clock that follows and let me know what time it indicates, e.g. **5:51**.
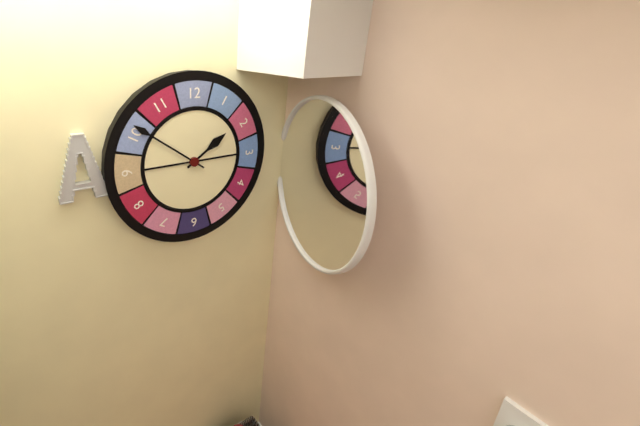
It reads **1:51**
